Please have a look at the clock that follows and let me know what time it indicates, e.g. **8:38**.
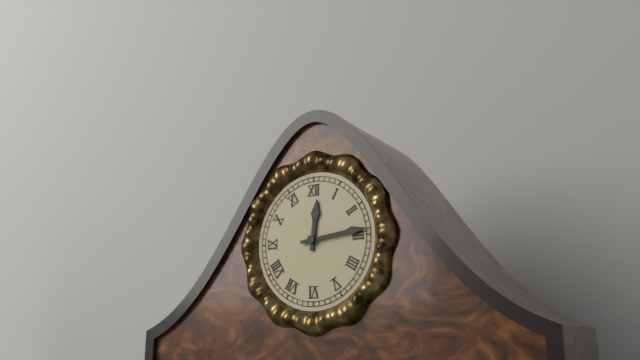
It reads **12:14**
